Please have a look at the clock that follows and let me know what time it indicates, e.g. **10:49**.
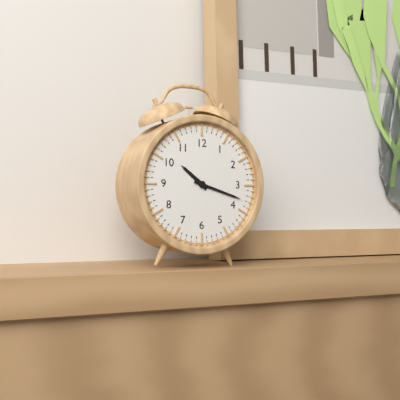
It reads **10:18**
